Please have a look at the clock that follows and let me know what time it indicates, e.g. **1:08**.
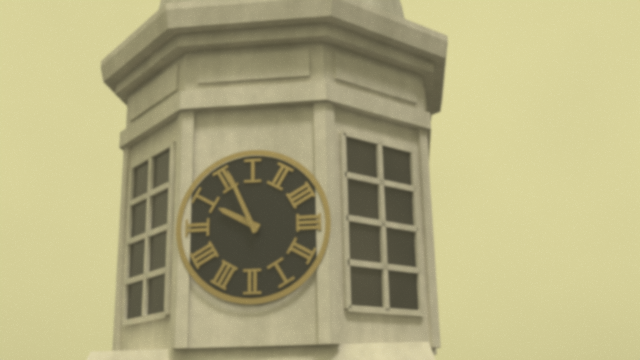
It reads **9:56**
